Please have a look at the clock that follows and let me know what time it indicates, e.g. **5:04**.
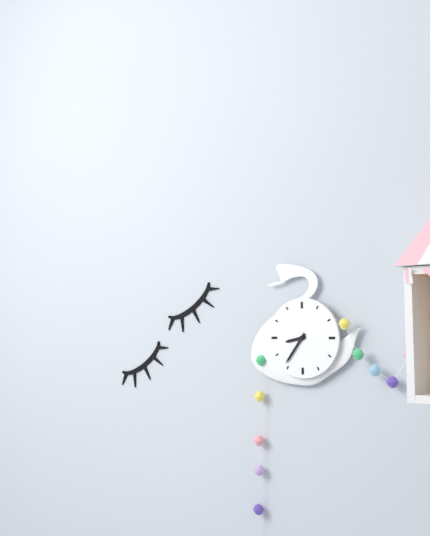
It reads **8:36**
